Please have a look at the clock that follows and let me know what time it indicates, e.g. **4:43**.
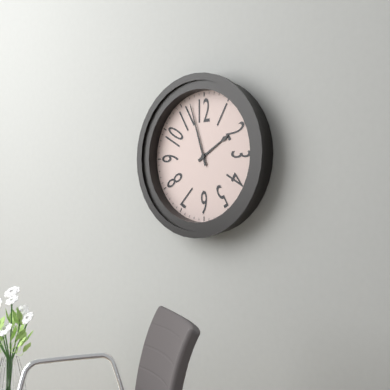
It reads **1:57**
